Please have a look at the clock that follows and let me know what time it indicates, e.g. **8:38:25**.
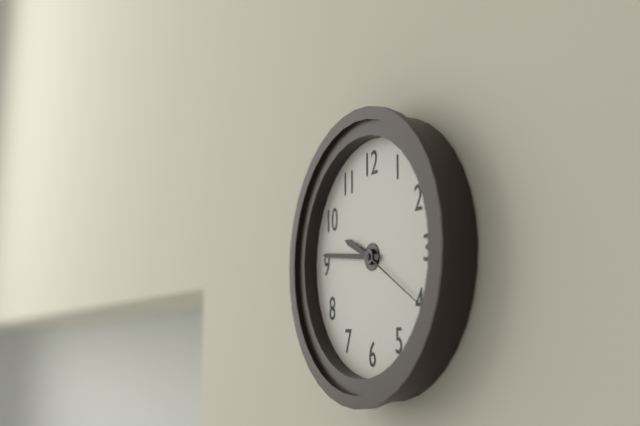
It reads **9:46:20**
